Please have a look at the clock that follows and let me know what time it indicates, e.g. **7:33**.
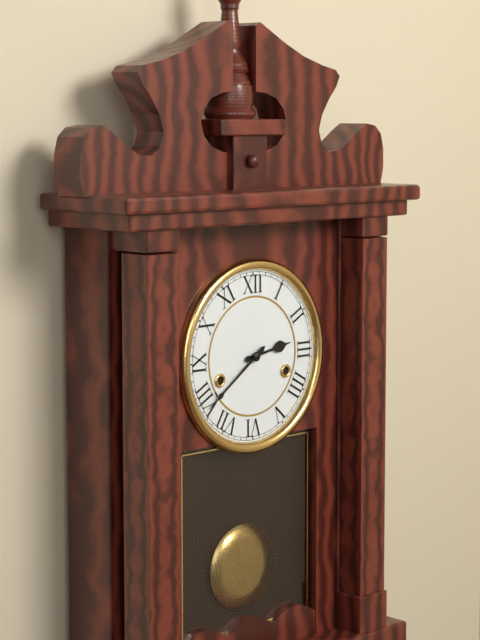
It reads **2:39**
